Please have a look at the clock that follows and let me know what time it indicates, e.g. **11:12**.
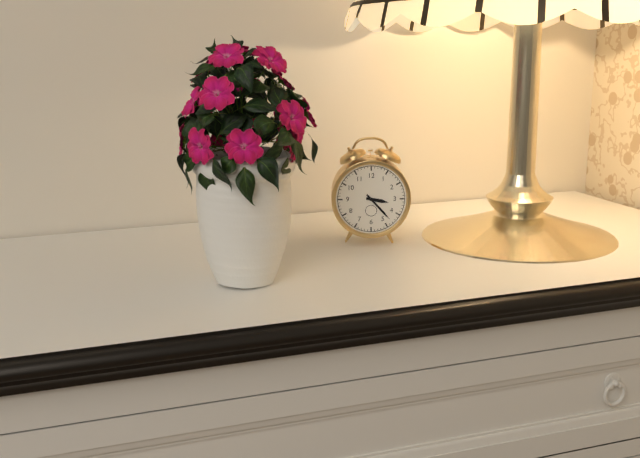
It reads **3:23**
